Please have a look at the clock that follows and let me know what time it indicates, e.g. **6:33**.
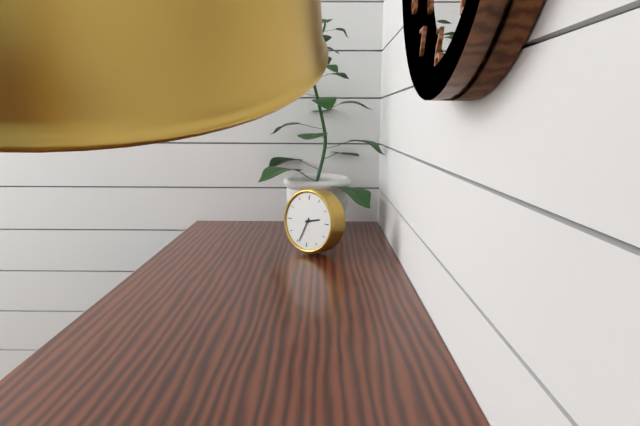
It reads **2:34**
